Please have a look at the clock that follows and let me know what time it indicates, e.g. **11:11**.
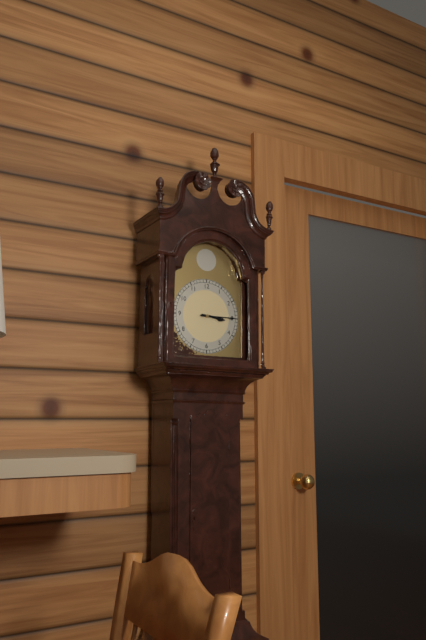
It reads **3:15**
